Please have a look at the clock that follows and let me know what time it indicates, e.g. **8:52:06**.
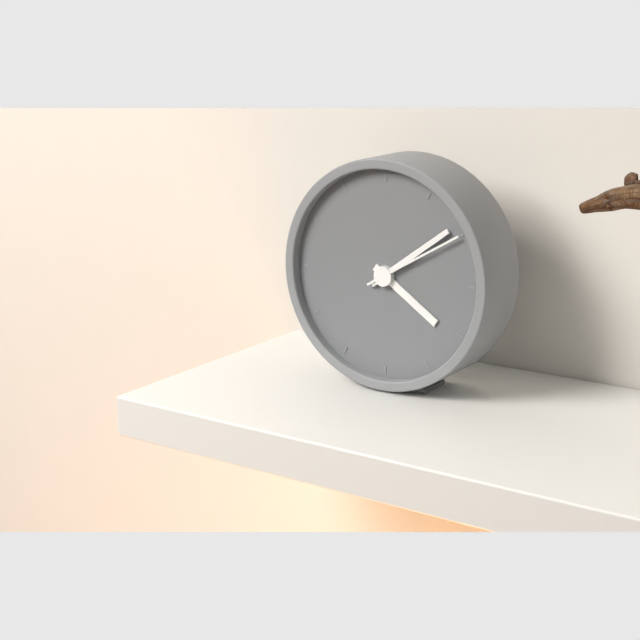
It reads **4:09:10**
